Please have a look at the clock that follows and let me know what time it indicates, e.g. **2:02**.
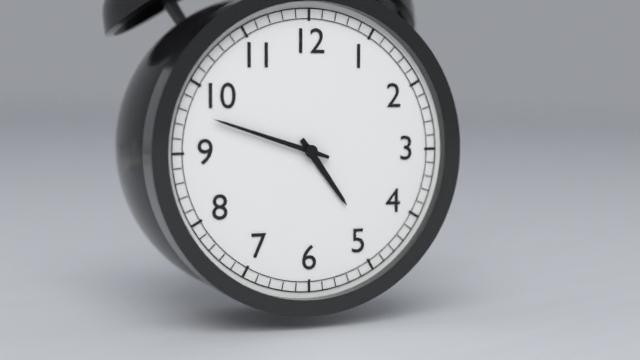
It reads **4:48**
